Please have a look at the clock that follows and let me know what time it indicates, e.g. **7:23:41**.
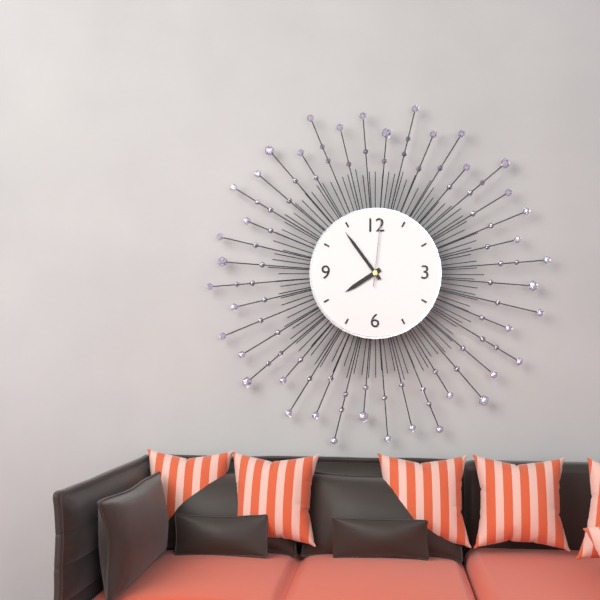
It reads **7:54:01**
